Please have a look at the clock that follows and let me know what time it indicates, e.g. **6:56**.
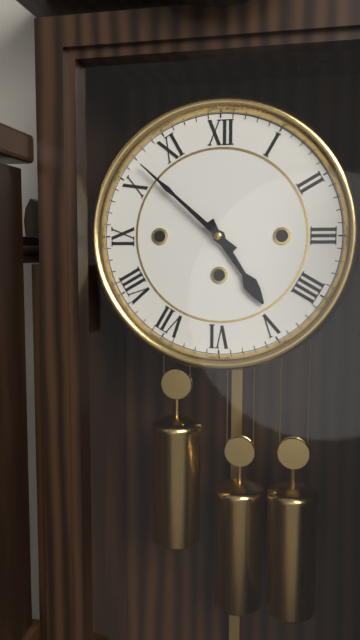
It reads **4:52**
